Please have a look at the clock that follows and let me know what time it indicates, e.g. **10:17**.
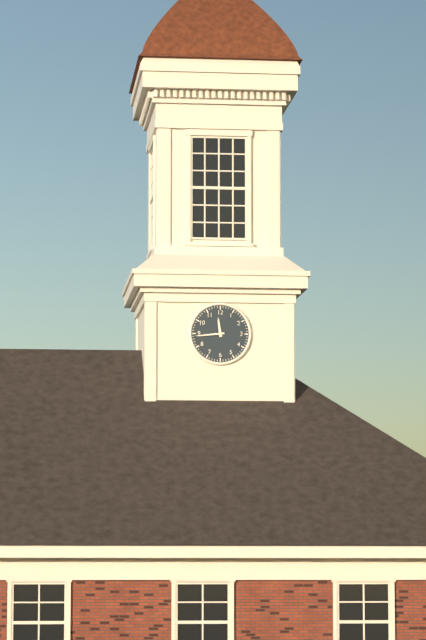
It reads **11:44**
